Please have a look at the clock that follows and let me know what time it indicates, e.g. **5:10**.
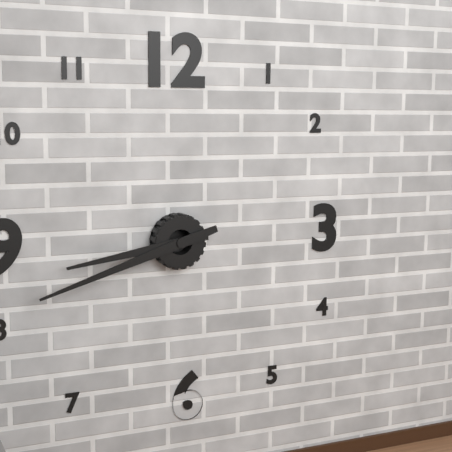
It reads **8:42**
